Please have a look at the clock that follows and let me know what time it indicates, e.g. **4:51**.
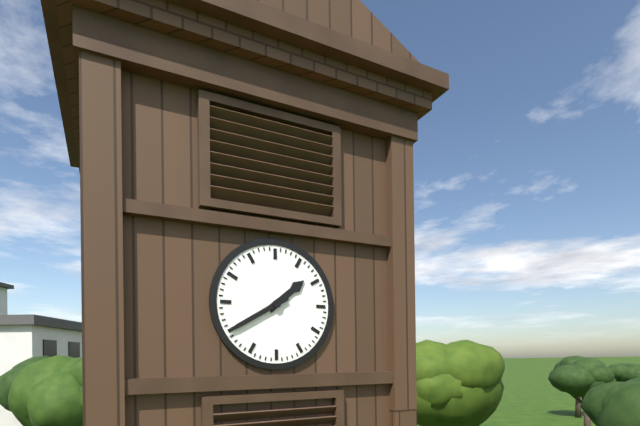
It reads **1:40**
